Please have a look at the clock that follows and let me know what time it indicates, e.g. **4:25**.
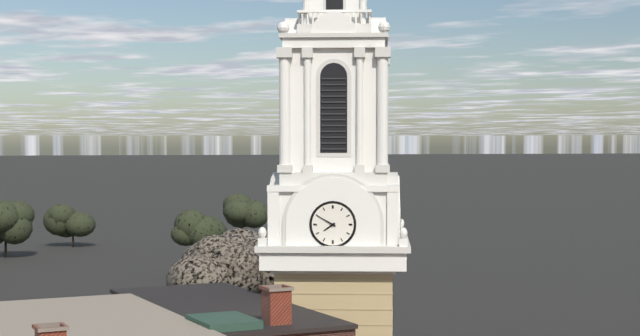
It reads **7:50**
